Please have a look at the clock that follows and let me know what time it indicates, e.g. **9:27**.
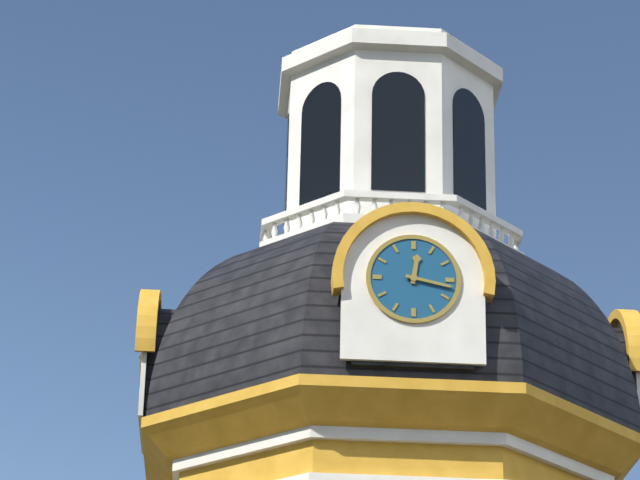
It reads **12:17**
